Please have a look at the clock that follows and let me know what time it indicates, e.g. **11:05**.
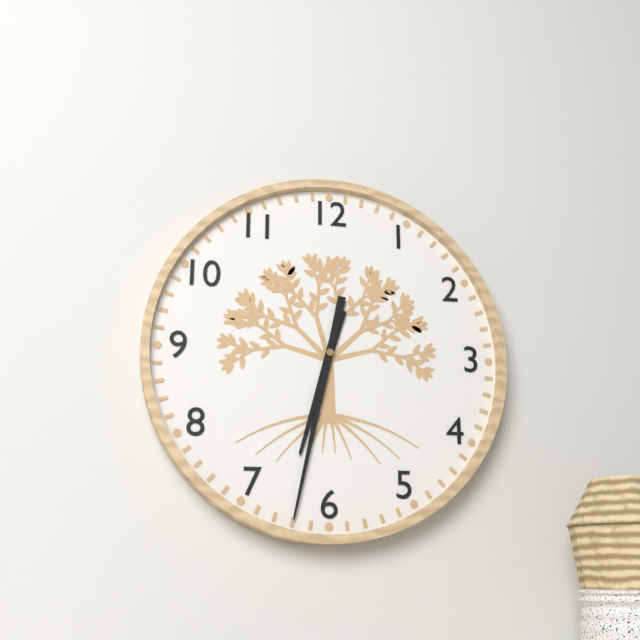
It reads **6:32**
